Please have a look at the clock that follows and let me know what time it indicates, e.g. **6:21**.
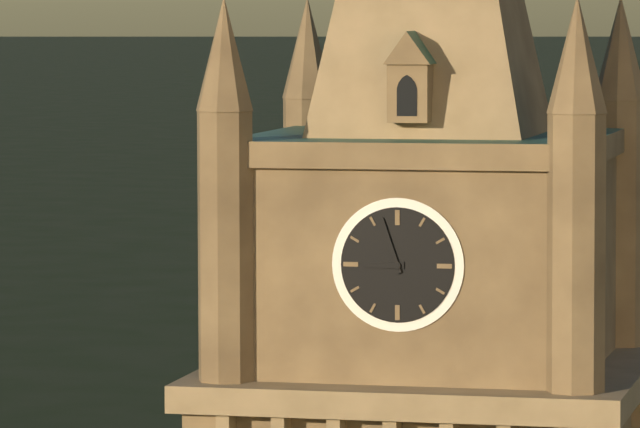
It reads **8:57**
